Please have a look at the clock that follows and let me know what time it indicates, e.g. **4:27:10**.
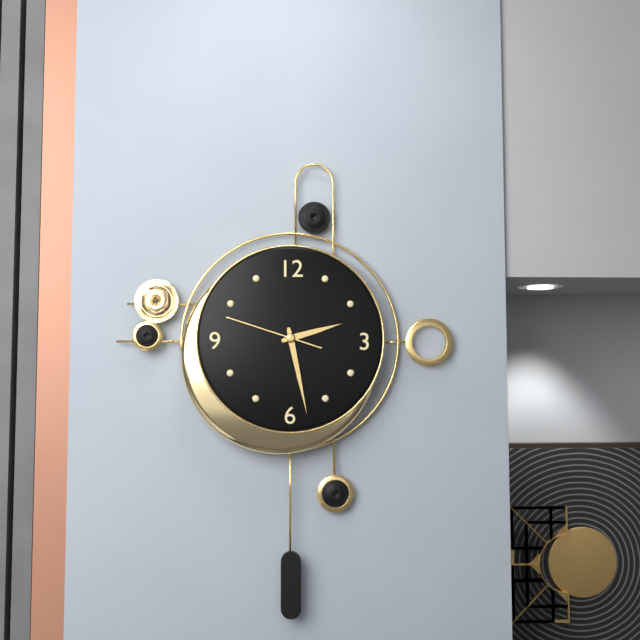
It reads **2:28:48**
